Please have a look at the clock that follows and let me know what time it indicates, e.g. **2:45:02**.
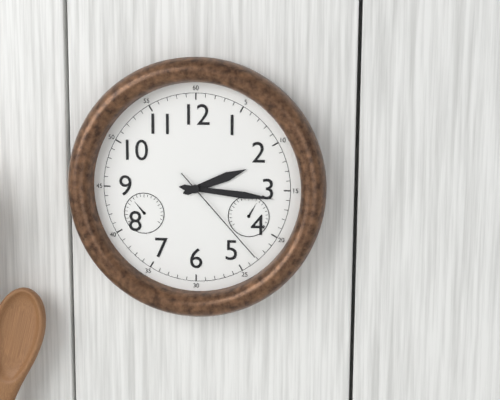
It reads **2:16:23**
